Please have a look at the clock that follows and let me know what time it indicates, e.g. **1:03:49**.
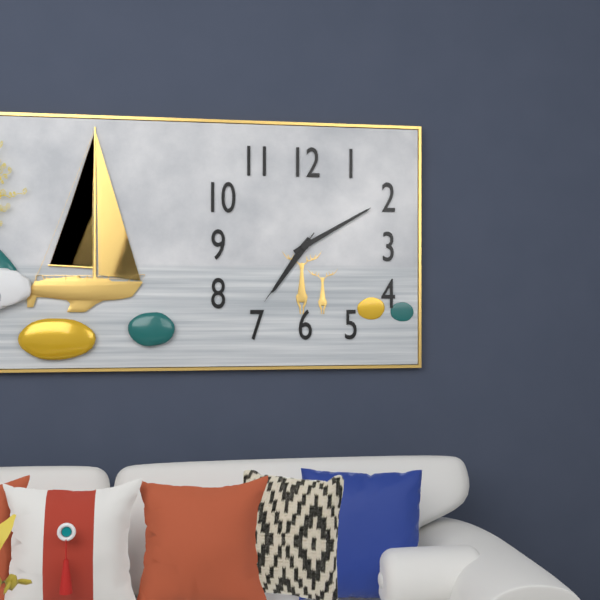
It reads **7:10:36**
